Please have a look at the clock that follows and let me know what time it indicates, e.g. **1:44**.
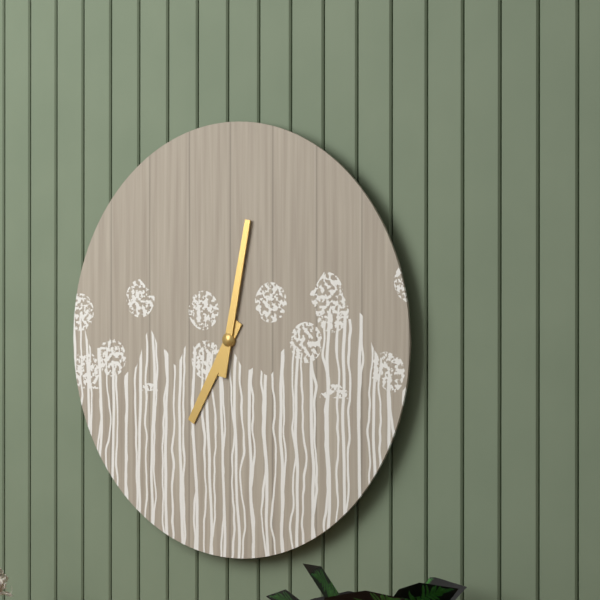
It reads **7:02**
